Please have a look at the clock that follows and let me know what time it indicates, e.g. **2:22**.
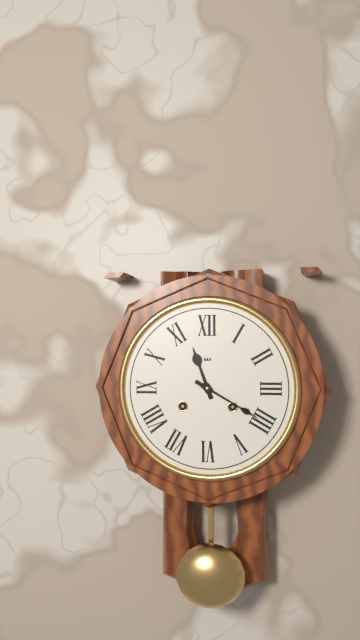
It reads **11:20**
